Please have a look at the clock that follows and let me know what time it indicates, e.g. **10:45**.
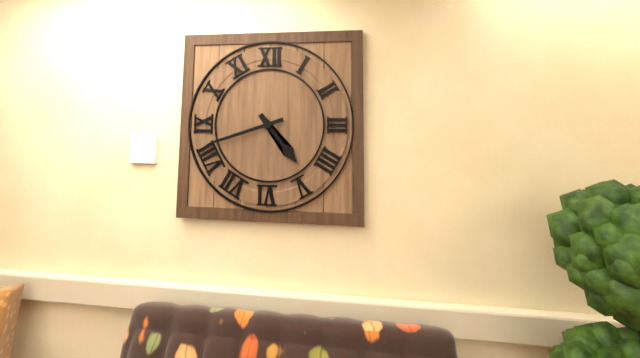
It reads **4:42**
